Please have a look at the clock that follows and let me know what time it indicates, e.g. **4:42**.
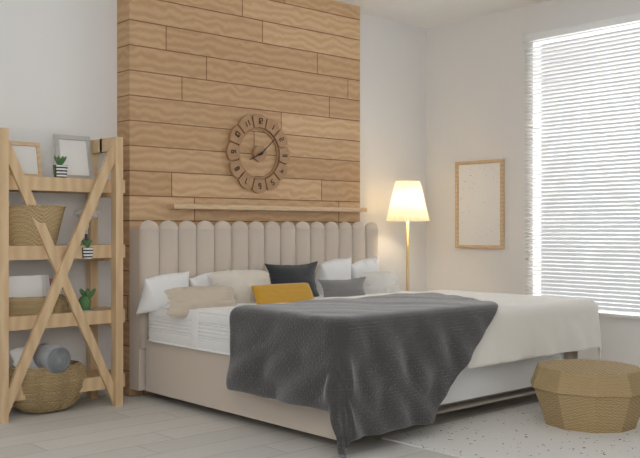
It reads **8:08**
